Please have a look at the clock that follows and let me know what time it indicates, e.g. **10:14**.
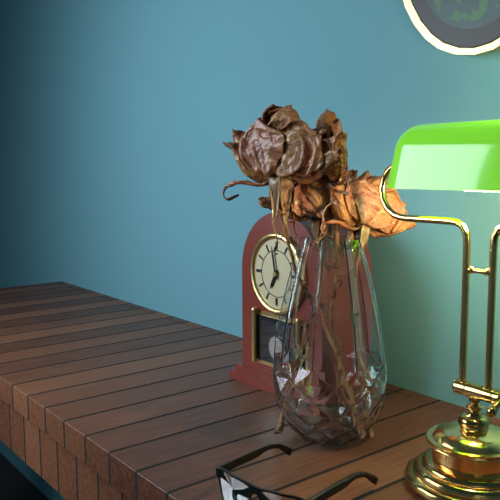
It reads **6:58**
